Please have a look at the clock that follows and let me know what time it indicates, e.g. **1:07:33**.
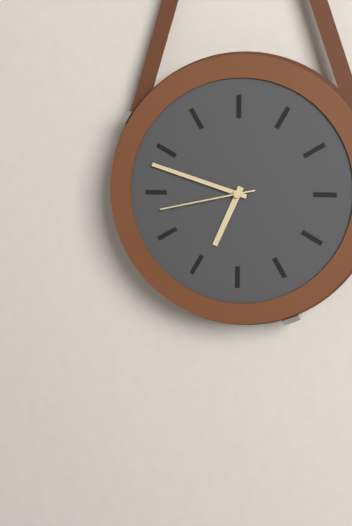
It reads **6:48:43**
